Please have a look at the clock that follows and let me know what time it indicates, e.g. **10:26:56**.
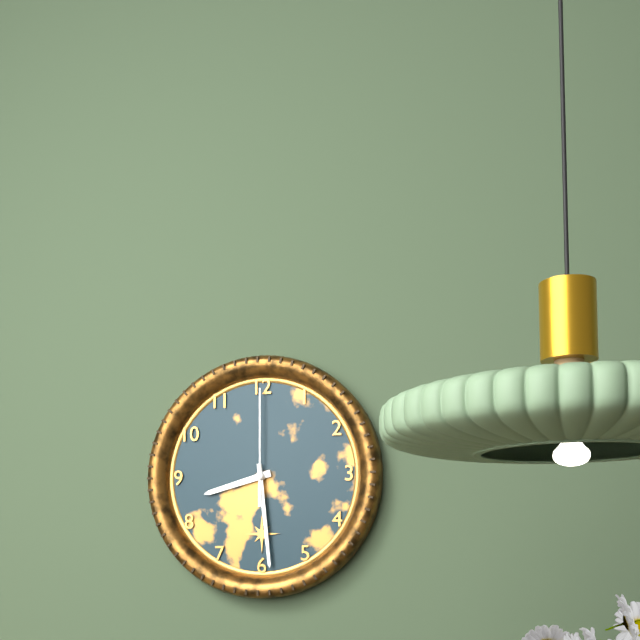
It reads **8:29:00**
